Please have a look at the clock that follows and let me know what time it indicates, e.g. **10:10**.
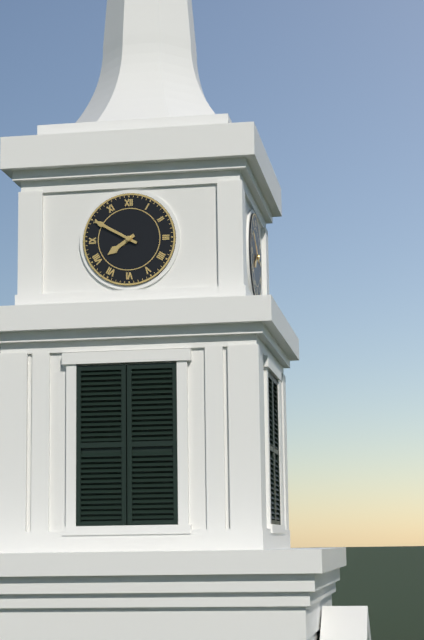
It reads **7:50**
